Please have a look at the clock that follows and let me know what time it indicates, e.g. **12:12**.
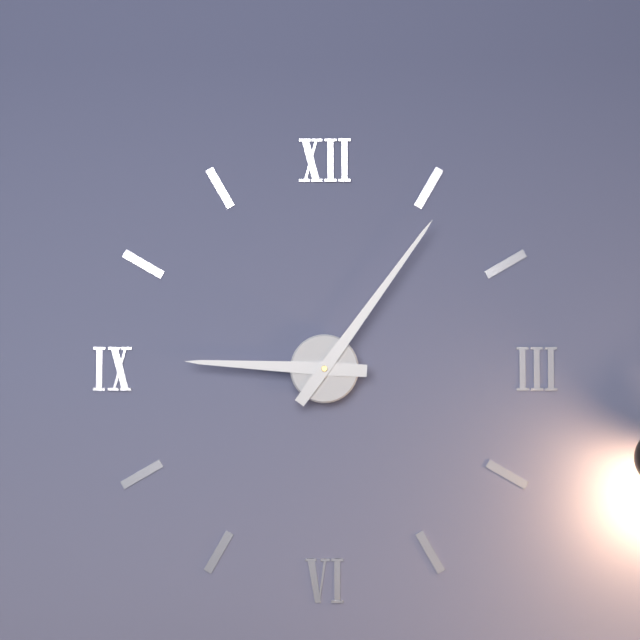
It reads **9:06**
